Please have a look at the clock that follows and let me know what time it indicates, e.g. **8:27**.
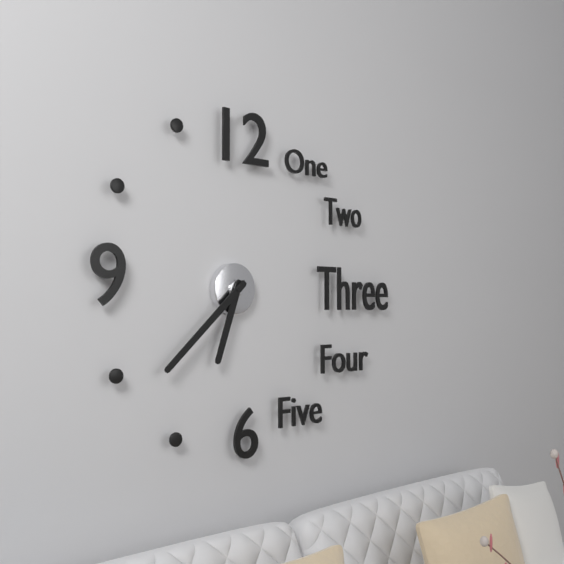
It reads **6:38**
